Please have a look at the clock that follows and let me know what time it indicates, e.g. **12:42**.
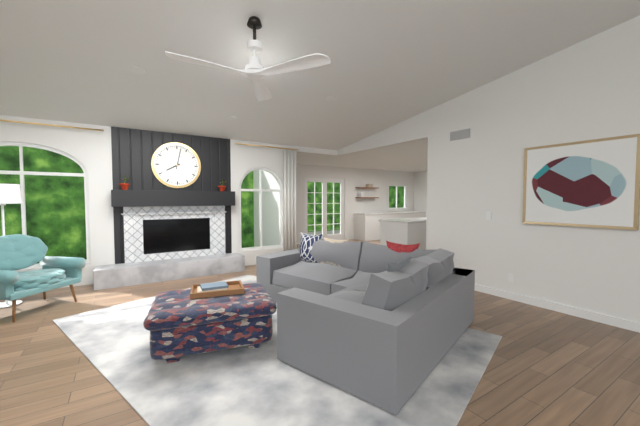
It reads **8:02**
